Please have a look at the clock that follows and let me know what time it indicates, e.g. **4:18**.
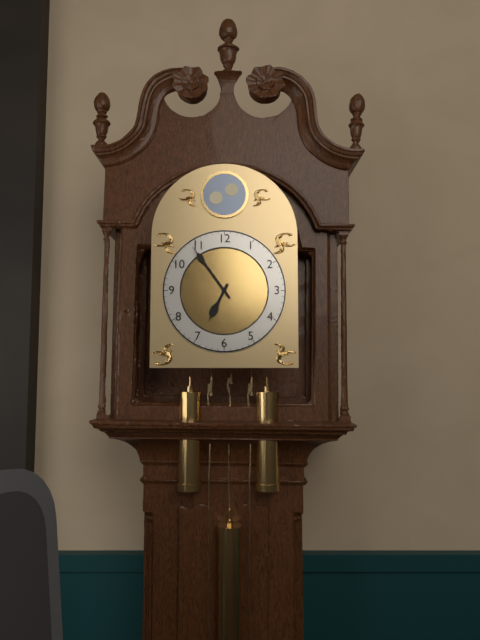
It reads **6:54**
